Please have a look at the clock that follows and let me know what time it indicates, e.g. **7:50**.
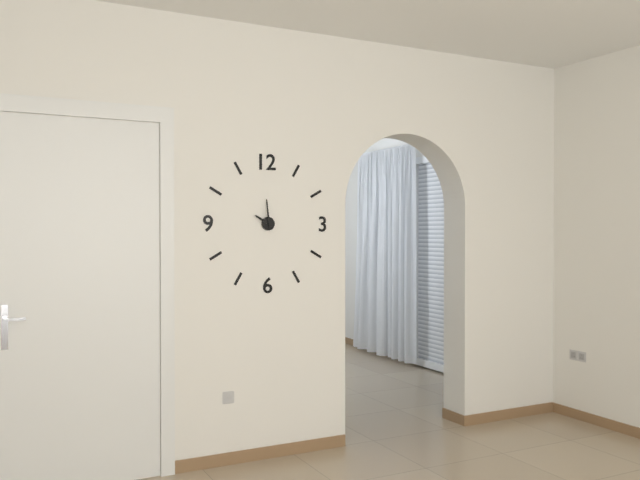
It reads **9:59**
